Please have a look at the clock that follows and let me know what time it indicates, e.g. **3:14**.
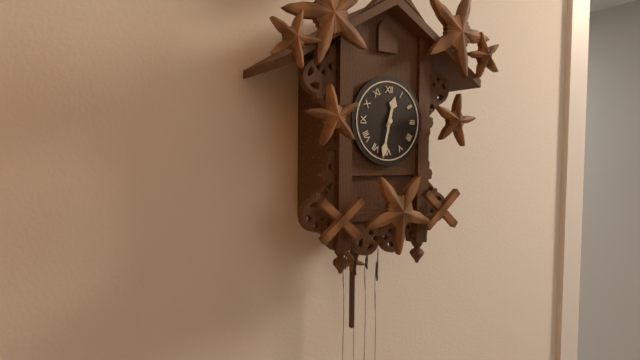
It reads **12:32**
